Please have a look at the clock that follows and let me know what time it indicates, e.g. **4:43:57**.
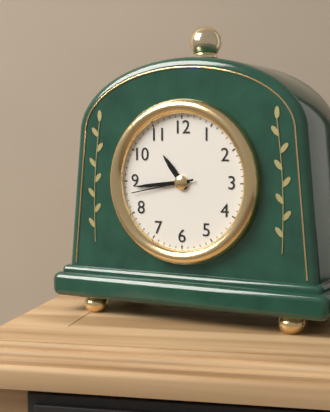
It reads **10:44:43**
